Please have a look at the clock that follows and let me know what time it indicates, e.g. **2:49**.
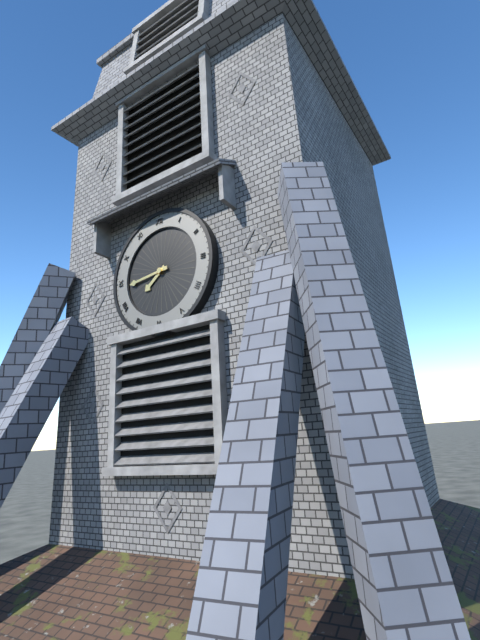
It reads **7:44**
